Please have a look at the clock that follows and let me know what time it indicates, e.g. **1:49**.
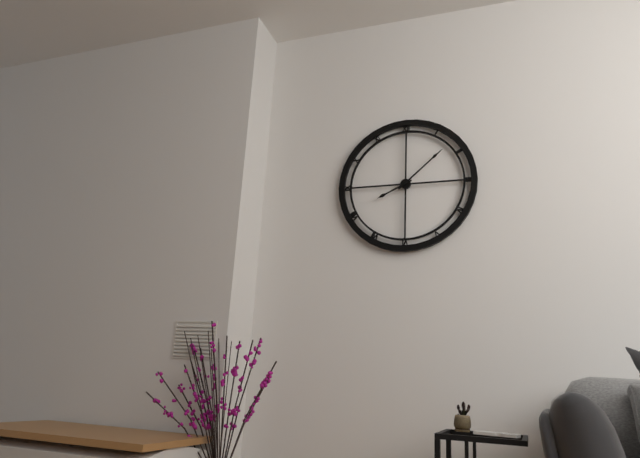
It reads **8:08**
